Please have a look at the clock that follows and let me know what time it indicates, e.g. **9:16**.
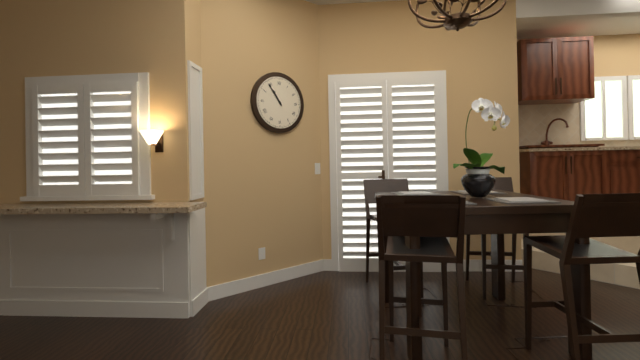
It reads **10:54**
